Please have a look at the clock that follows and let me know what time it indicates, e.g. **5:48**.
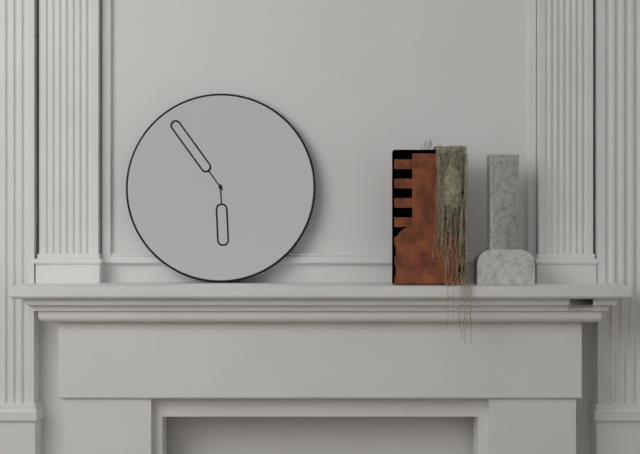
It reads **5:54**
